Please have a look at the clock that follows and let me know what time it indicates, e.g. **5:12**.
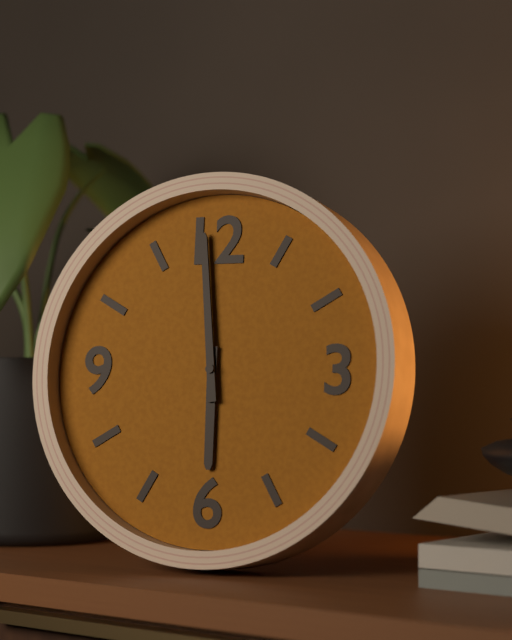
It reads **5:59**
